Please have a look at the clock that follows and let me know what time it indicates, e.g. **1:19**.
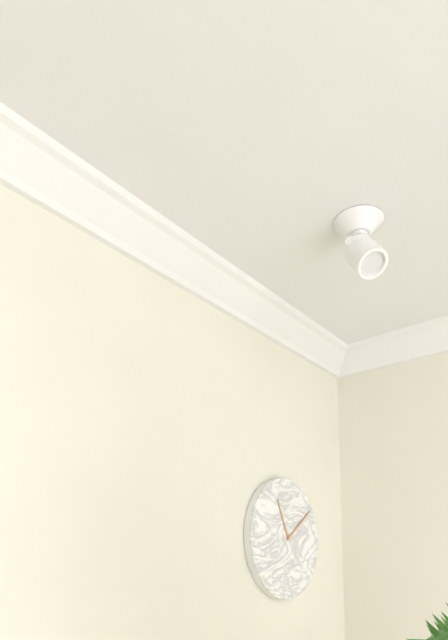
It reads **11:09**
